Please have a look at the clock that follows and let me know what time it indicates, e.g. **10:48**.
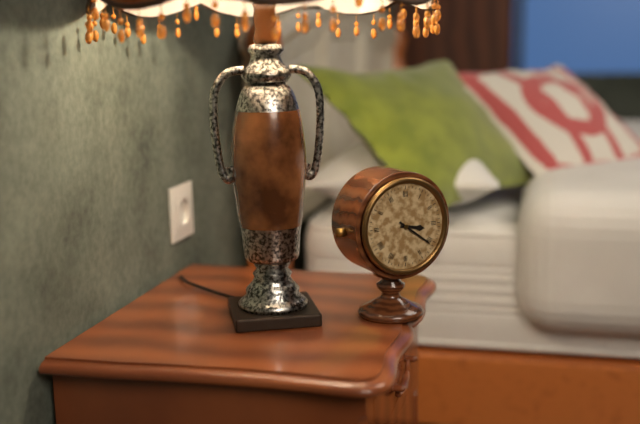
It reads **3:21**
